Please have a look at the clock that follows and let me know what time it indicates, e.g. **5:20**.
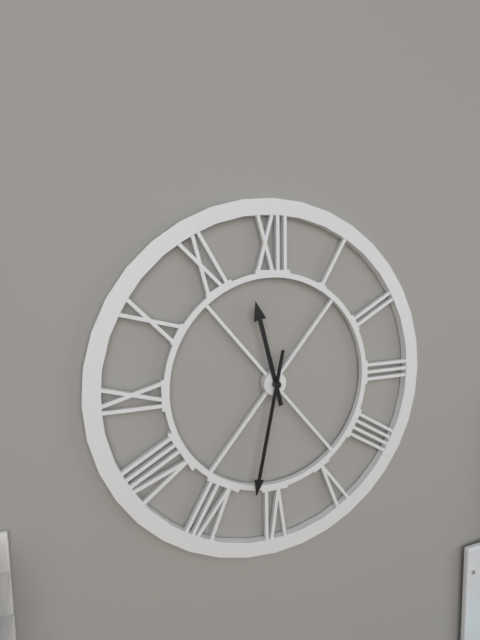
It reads **11:32**
